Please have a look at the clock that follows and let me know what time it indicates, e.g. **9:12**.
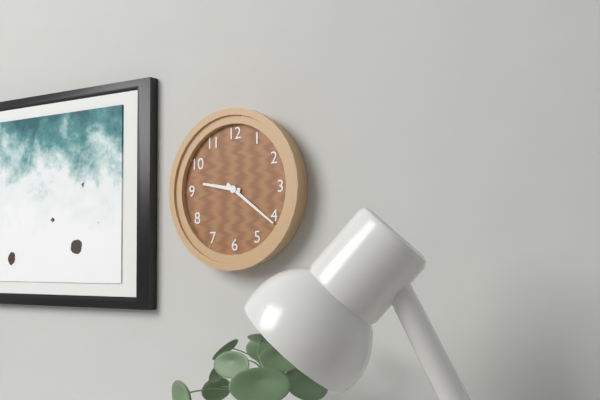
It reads **9:21**
